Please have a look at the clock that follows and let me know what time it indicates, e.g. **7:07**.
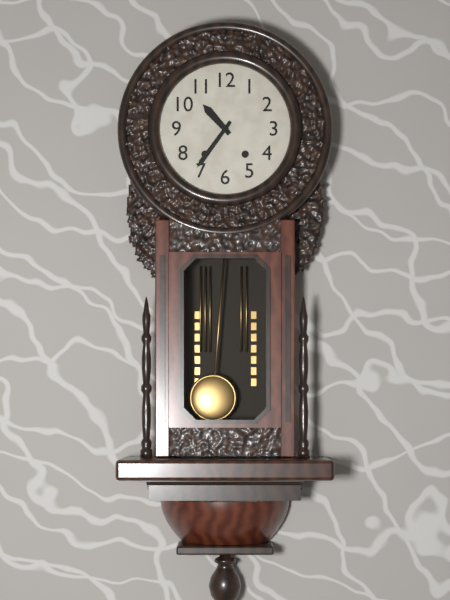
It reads **10:36**
